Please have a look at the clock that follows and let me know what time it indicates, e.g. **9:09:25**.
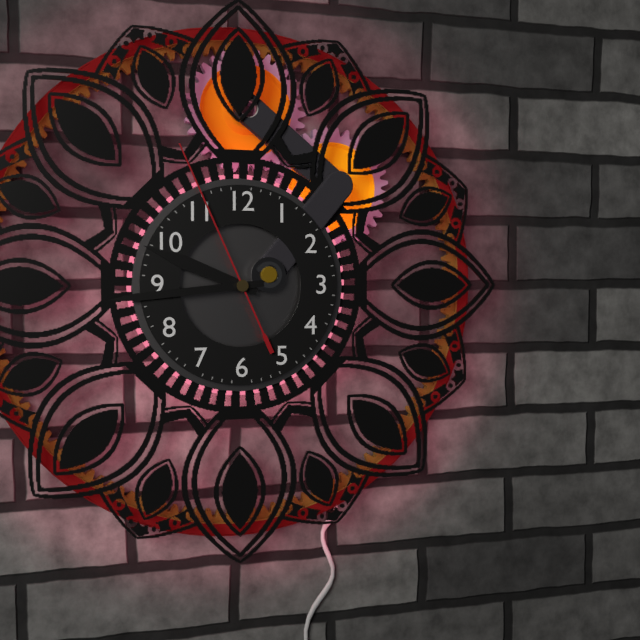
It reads **9:44:56**
